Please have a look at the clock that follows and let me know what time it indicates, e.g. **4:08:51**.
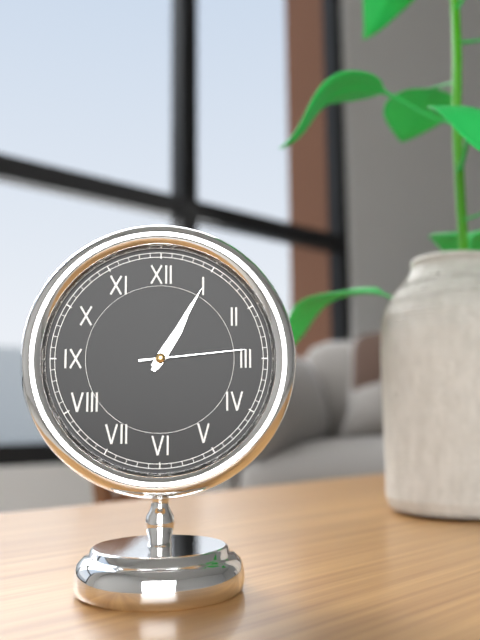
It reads **1:05:14**
